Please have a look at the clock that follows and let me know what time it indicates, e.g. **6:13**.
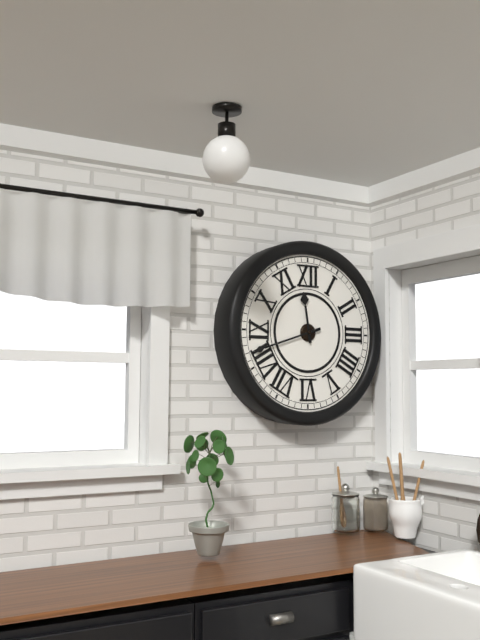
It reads **11:42**
